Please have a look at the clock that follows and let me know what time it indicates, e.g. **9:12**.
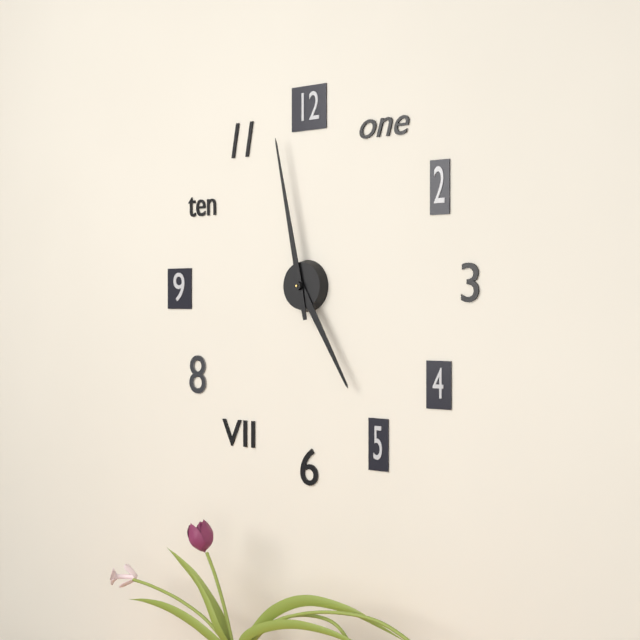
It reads **4:58**
